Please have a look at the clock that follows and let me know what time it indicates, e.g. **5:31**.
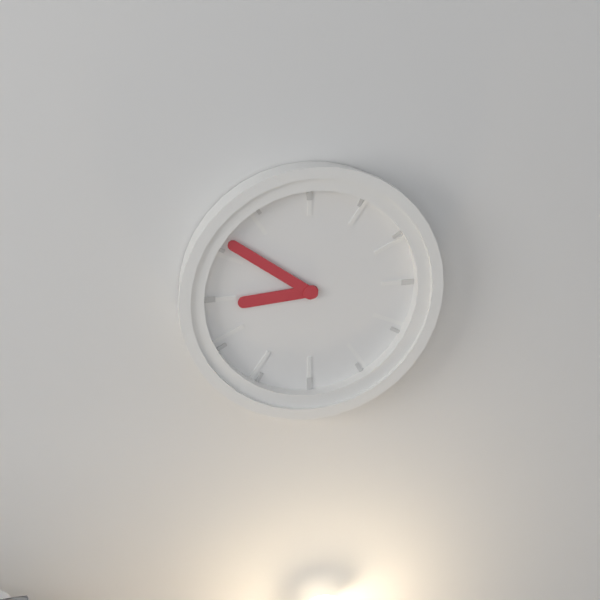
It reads **8:51**
